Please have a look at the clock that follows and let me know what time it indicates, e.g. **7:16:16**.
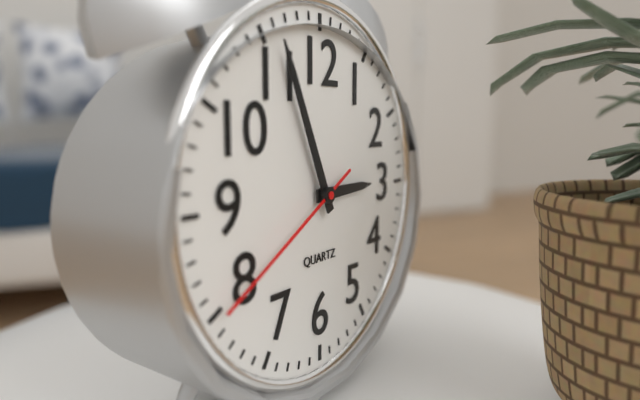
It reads **2:56:40**
